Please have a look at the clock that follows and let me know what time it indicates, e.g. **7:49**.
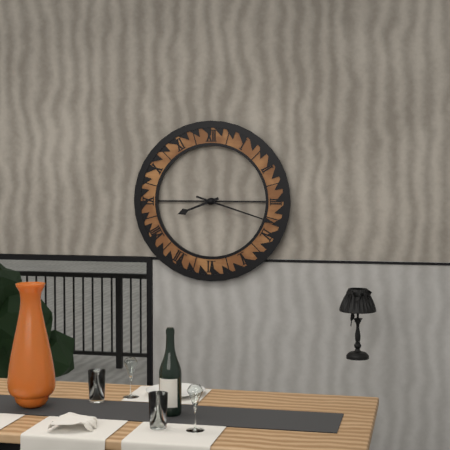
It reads **8:18**
